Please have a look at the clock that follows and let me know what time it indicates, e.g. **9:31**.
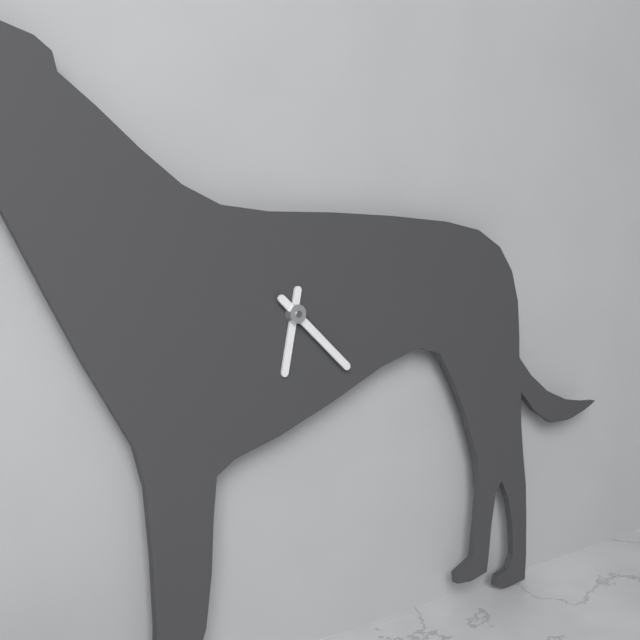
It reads **6:22**
